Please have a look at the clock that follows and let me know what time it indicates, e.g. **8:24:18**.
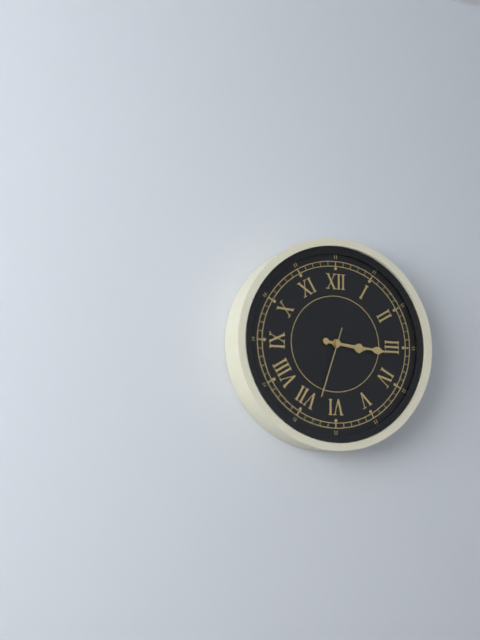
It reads **3:16:33**
